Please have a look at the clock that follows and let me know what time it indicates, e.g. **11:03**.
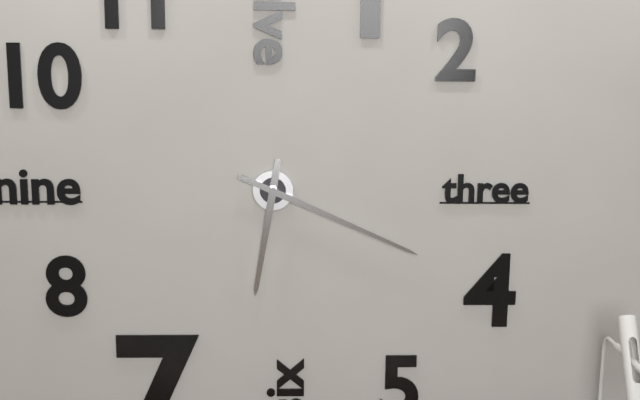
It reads **6:19**
